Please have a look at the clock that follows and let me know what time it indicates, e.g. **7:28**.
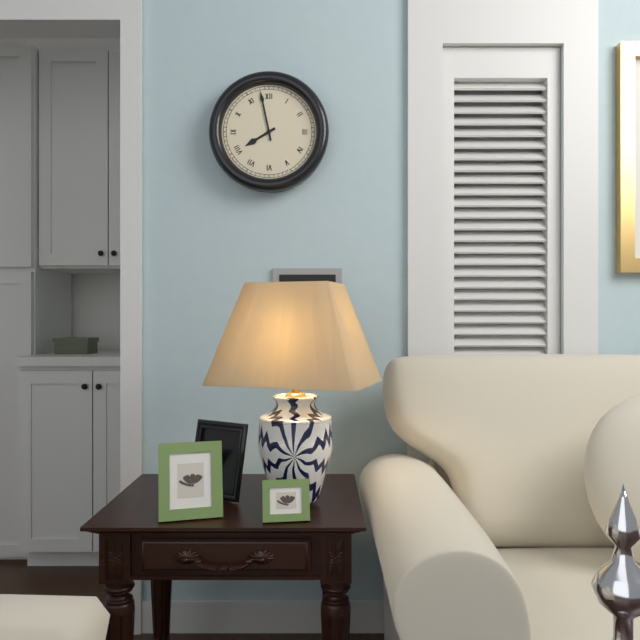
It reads **7:58**
